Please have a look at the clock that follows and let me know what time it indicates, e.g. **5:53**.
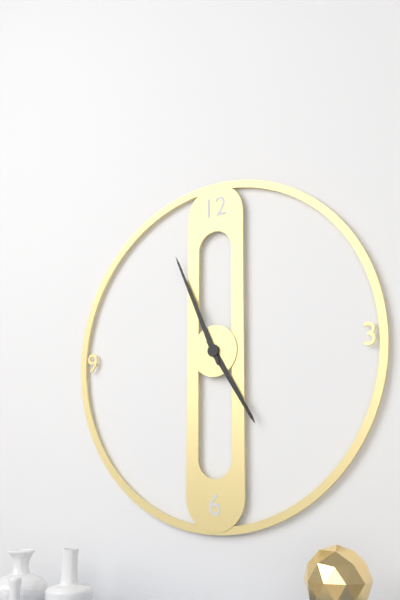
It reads **4:56**
